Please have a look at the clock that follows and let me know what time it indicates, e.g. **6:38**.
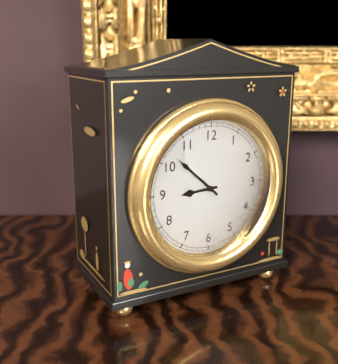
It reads **8:52**
